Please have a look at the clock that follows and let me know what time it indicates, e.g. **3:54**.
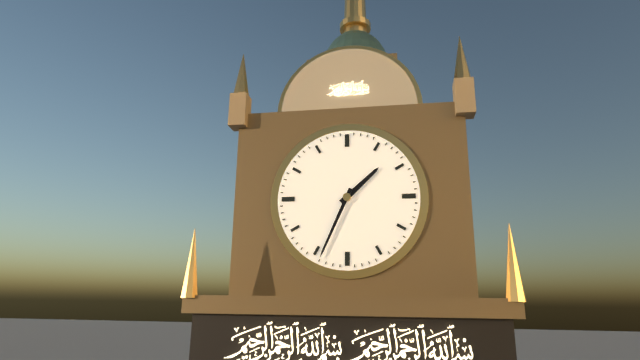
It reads **1:34**
